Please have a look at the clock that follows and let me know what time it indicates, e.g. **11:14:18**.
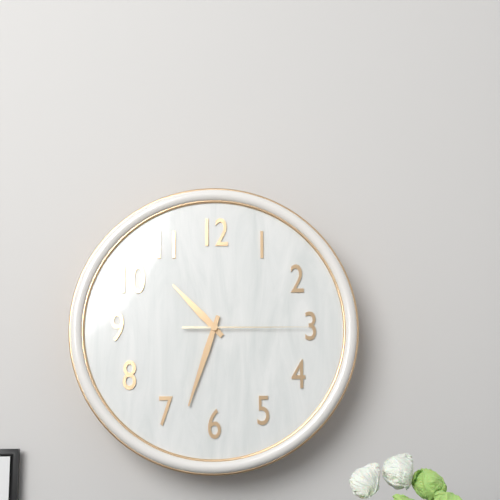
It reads **10:33:15**
